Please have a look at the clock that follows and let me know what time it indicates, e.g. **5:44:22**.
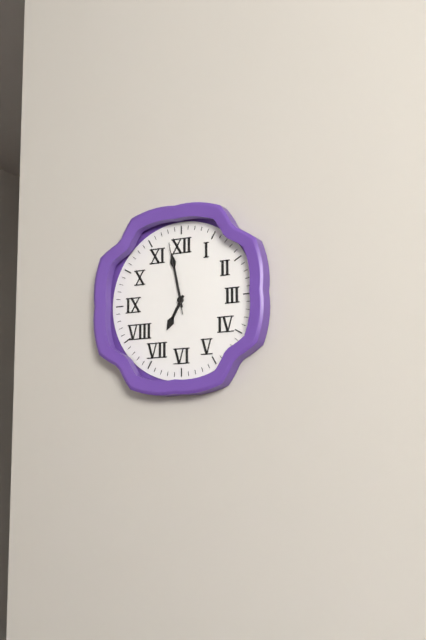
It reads **6:58:58**
